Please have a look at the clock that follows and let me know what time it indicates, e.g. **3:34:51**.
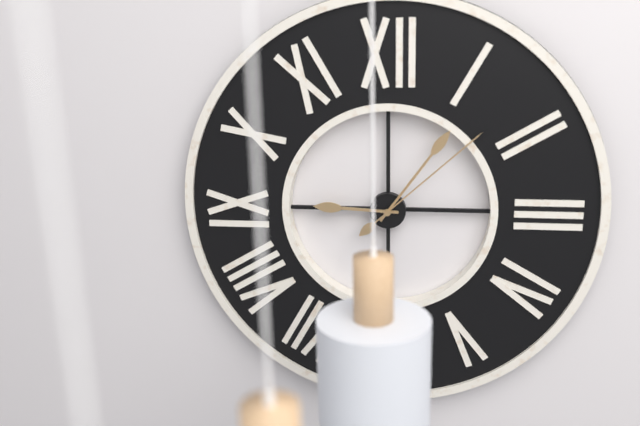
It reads **9:06:08**
